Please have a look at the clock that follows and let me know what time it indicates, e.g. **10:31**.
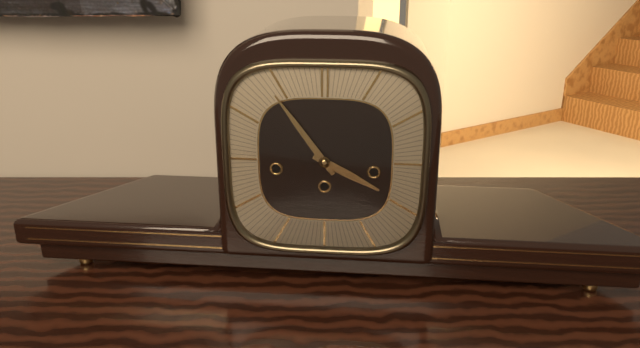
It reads **3:54**
